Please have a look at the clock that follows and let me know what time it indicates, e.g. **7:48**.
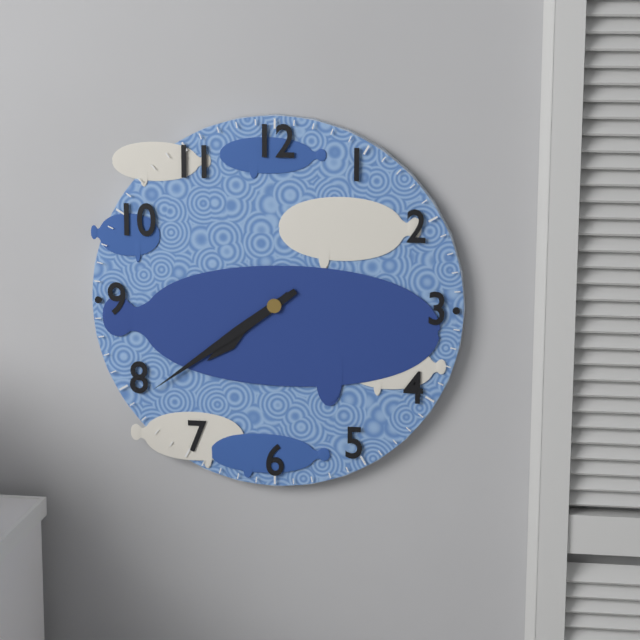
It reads **7:39**
